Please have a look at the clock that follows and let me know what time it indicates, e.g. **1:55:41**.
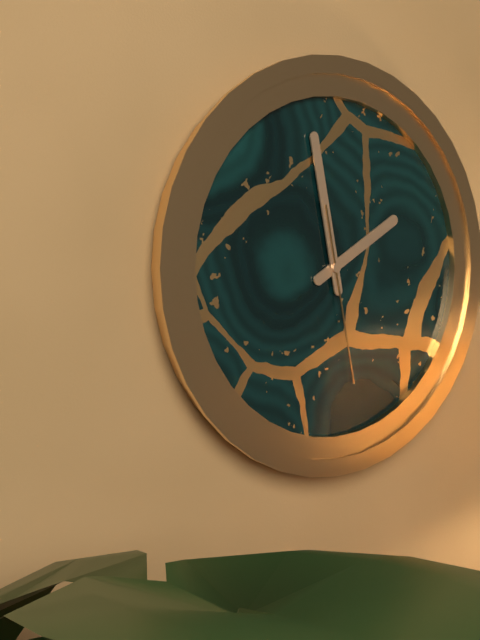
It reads **1:58:28**
